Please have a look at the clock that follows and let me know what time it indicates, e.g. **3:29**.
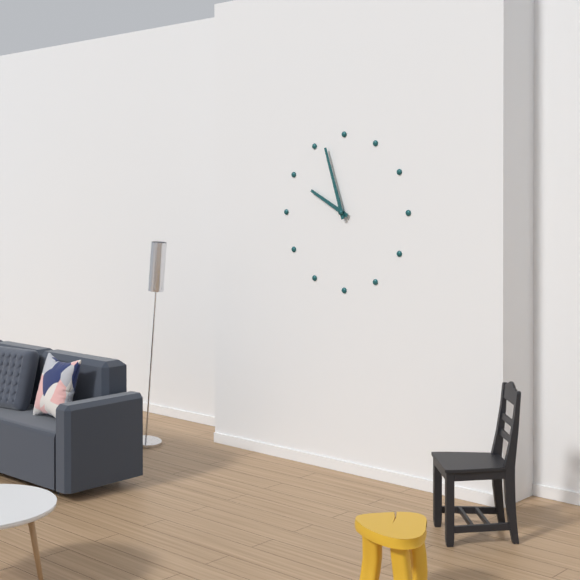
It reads **9:57**
